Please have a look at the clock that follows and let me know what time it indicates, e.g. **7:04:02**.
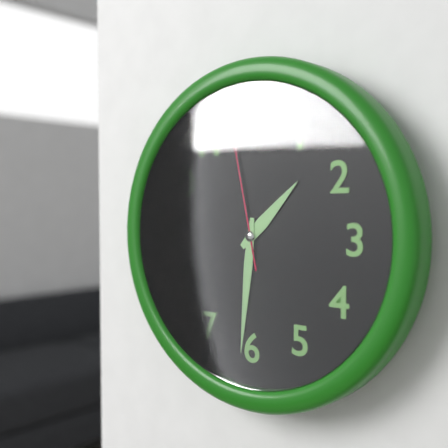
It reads **1:31:58**
